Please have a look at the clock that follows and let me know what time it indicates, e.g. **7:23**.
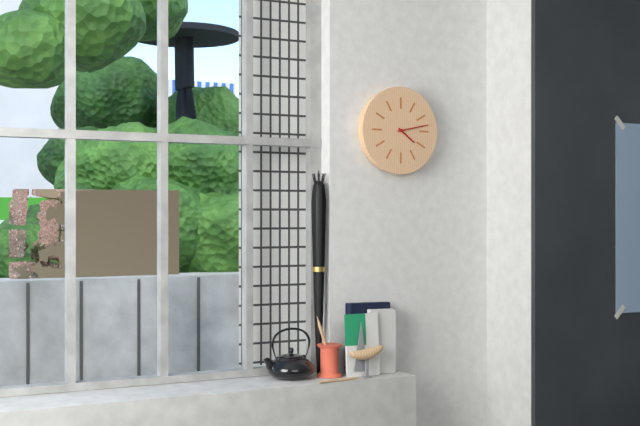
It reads **4:13**
